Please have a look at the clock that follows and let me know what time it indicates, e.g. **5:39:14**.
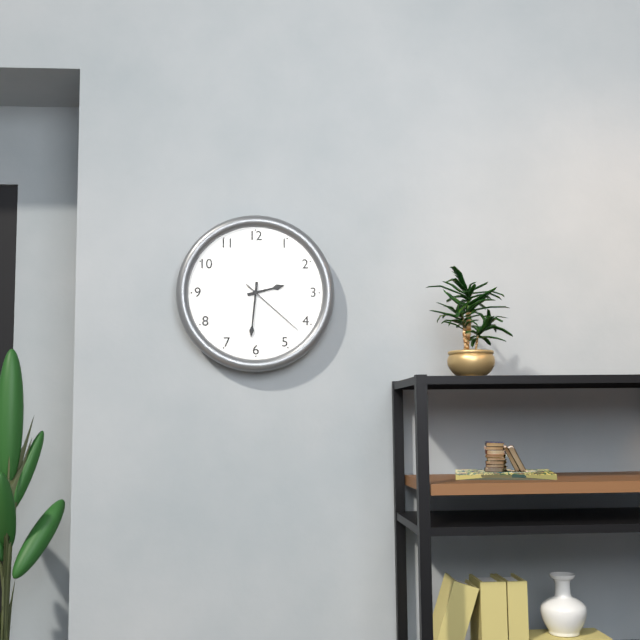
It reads **2:31:22**
